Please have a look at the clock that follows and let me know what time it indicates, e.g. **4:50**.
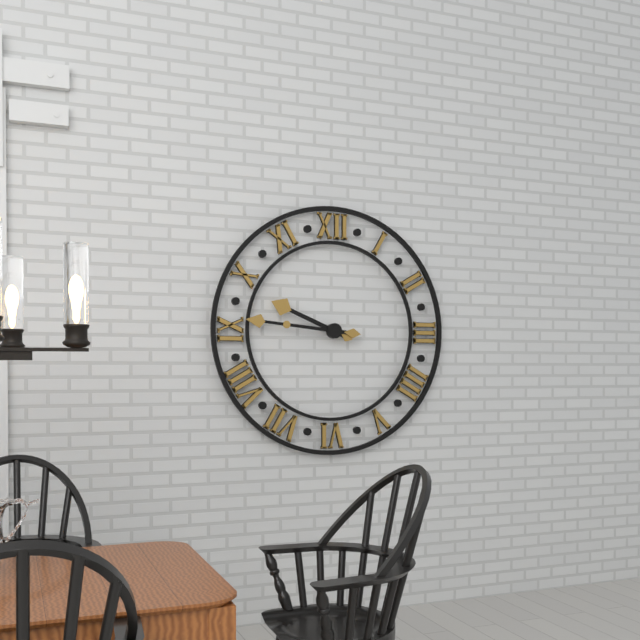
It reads **9:46**
